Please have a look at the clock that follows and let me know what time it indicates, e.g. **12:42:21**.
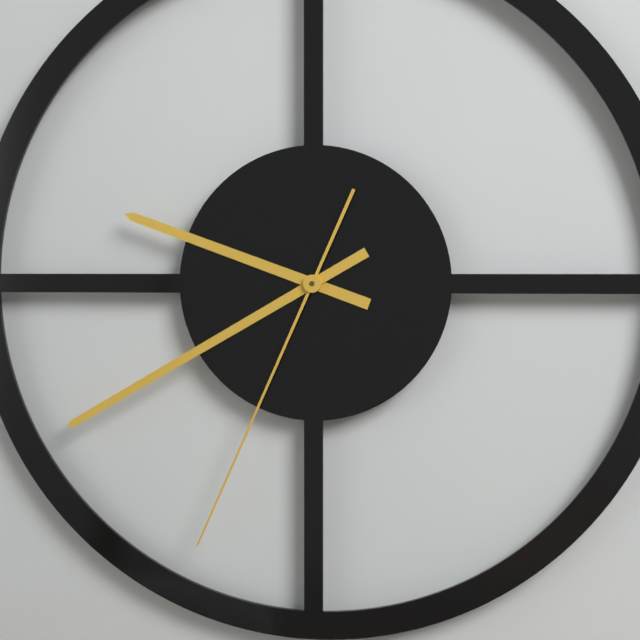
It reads **9:40:34**
